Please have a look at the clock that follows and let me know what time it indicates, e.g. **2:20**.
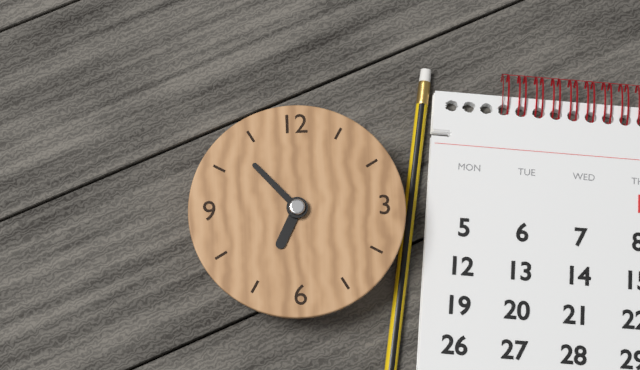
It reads **6:53**
